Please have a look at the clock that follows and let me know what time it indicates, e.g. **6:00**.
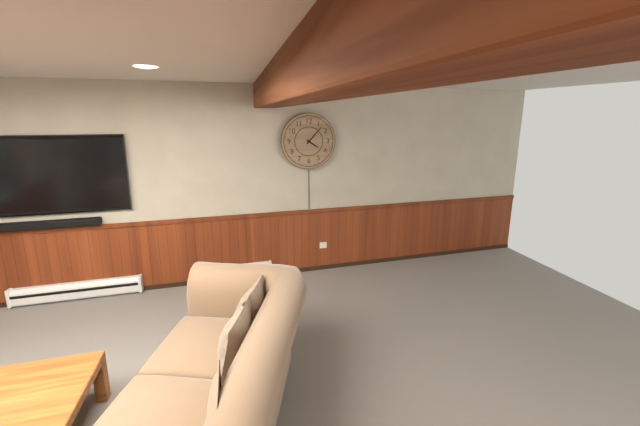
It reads **4:07**
